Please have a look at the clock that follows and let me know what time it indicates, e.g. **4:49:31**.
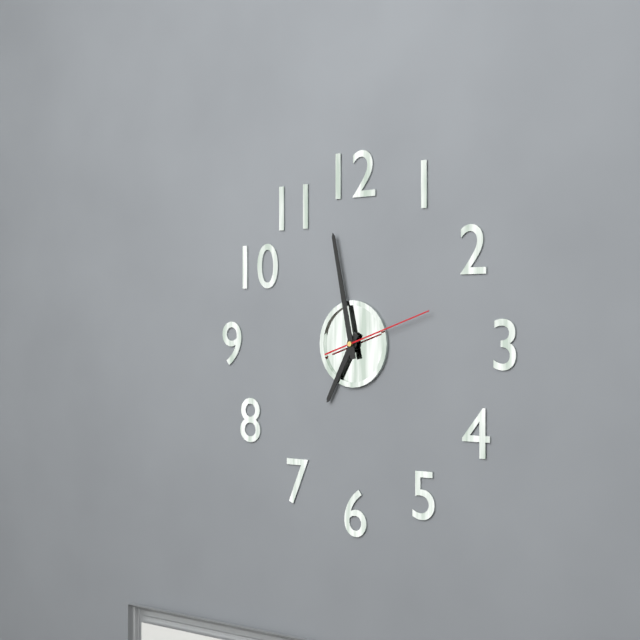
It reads **6:58:12**
